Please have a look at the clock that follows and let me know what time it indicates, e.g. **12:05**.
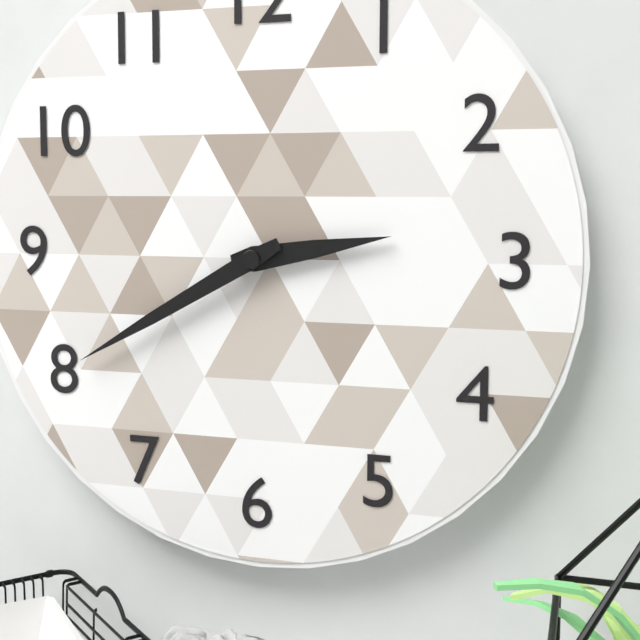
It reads **2:40**
